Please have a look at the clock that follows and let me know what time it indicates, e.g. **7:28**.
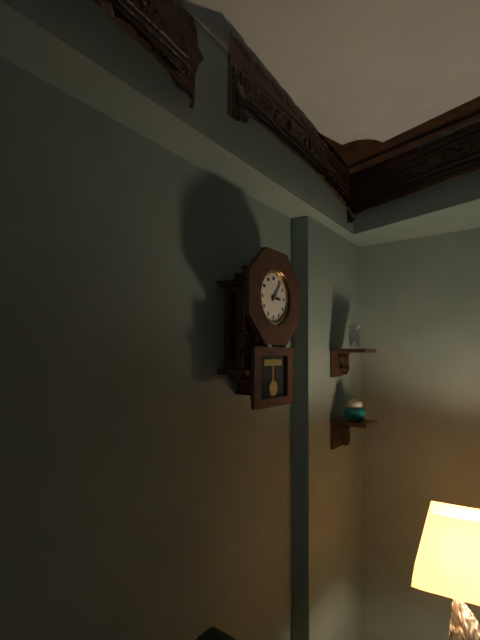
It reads **3:06**
